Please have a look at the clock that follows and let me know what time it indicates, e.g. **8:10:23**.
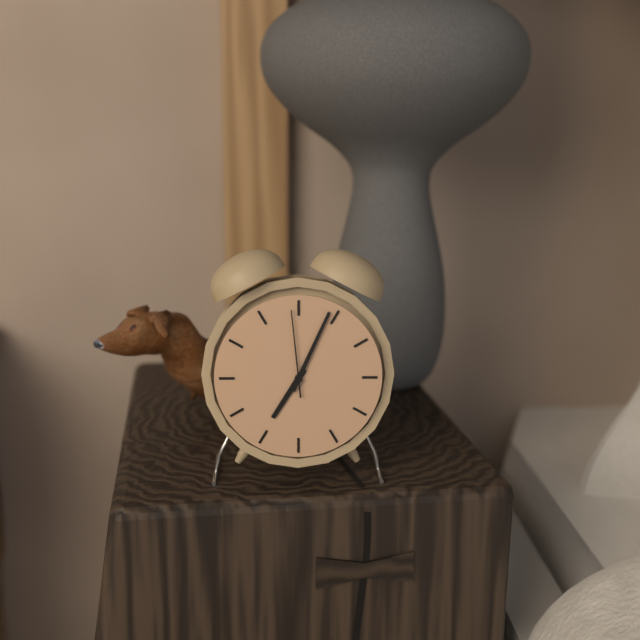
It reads **7:04:59**
